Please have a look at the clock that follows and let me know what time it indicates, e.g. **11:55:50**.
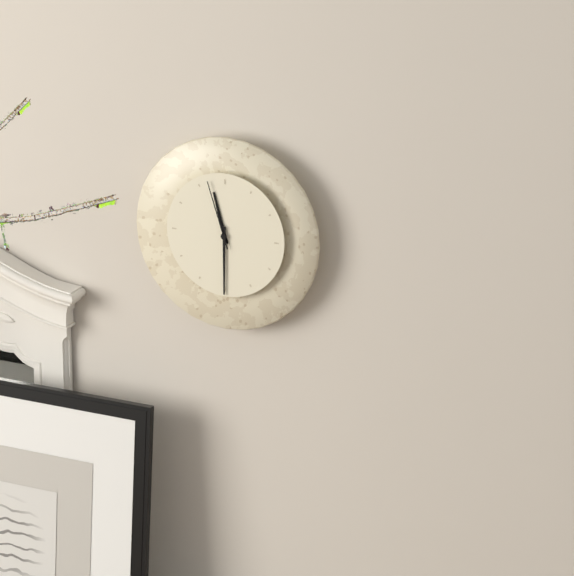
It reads **11:30:57**
